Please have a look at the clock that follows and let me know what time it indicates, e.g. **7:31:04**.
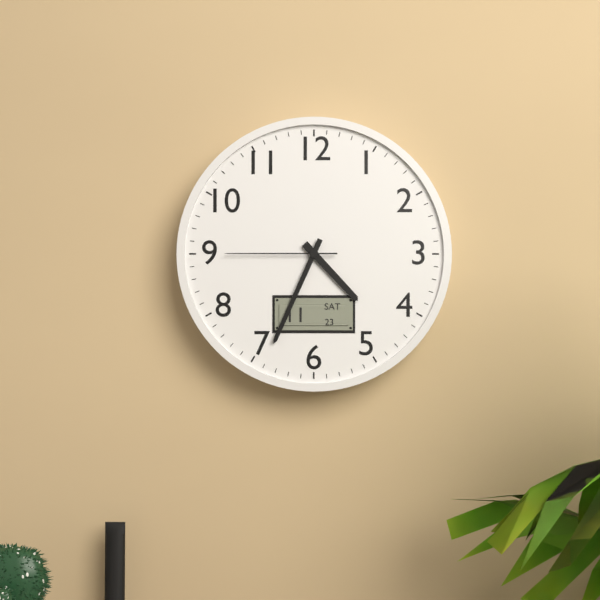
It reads **4:34:45**
